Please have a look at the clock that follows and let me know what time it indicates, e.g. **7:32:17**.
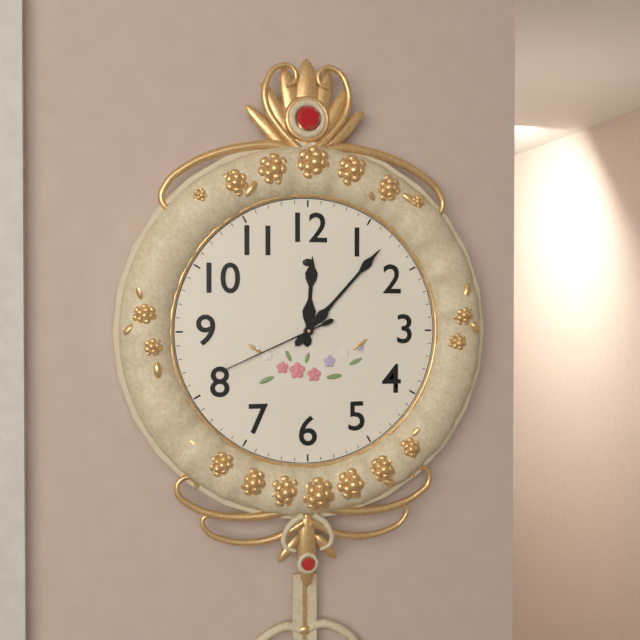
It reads **12:07:41**
